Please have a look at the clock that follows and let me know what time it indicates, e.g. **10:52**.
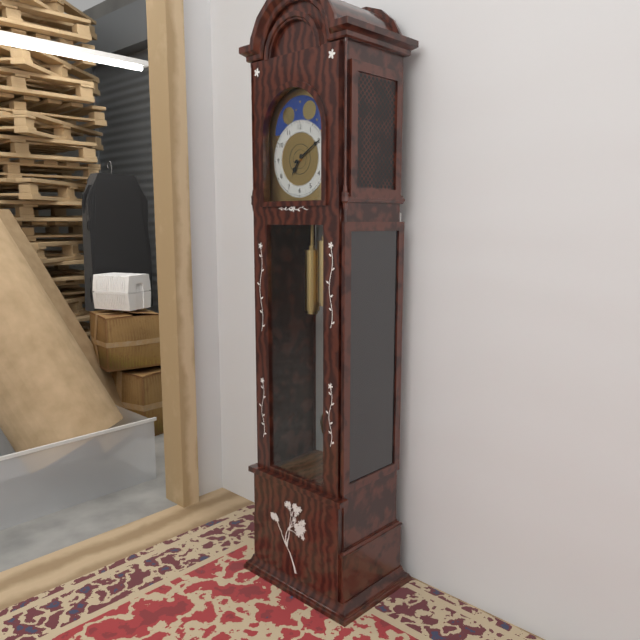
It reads **7:10**
